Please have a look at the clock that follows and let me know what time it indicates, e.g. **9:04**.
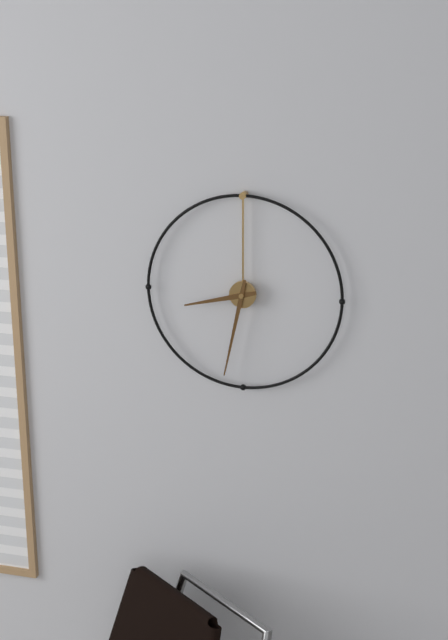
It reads **8:32**
